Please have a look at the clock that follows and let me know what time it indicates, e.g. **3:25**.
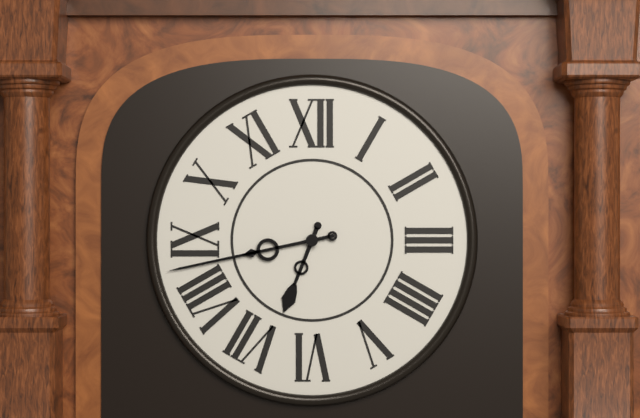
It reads **6:43**
